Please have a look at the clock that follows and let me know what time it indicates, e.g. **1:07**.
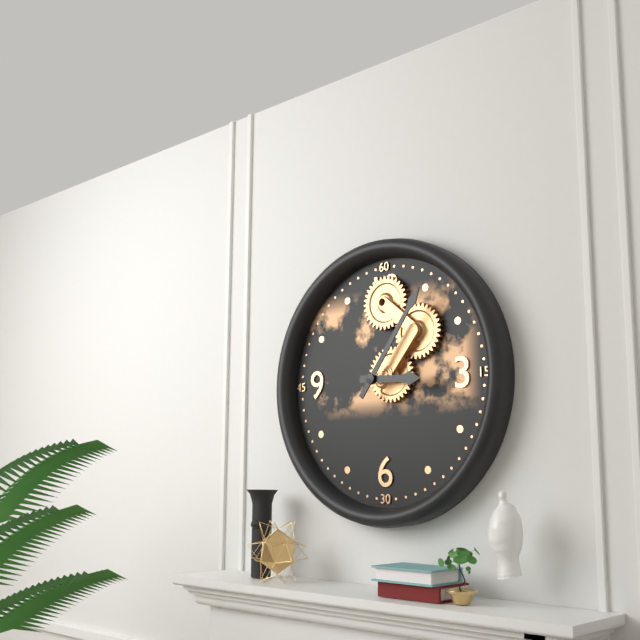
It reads **3:06**
